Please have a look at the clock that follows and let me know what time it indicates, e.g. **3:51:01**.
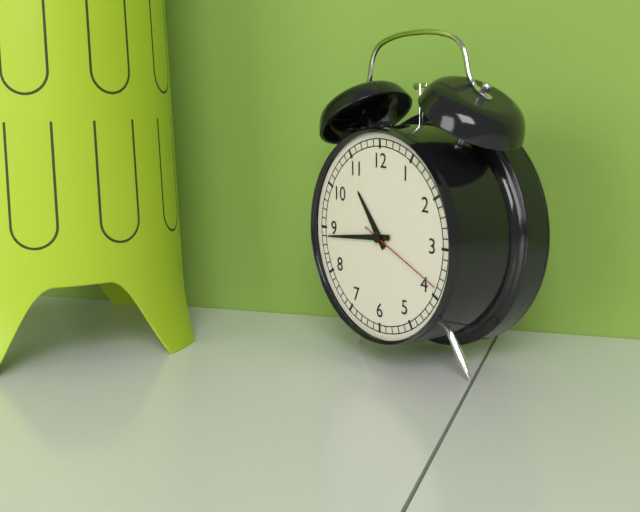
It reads **10:44:19**
